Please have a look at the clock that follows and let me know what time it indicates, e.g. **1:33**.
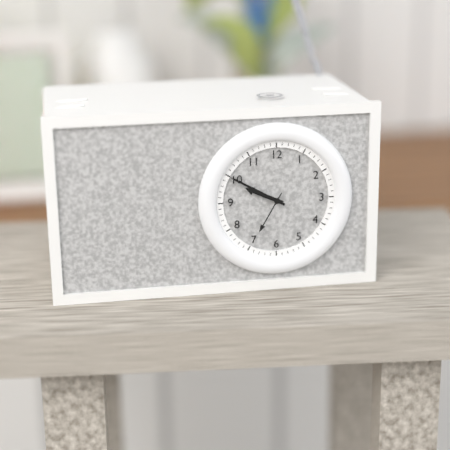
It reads **9:50**
